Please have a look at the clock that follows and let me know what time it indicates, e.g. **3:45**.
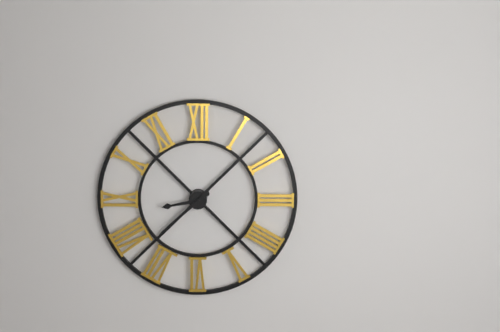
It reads **8:38**
